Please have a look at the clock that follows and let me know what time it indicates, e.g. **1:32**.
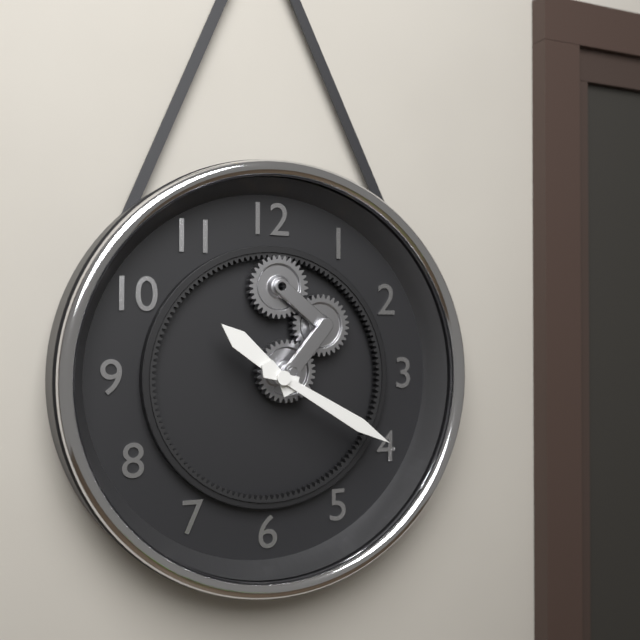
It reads **10:20**
